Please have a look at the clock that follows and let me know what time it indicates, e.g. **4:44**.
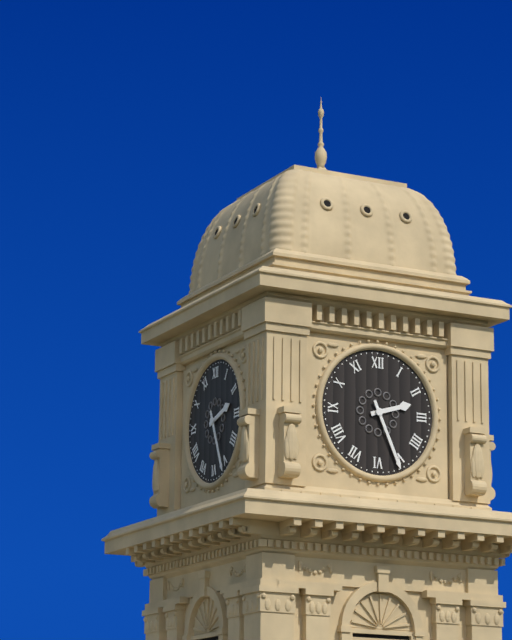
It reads **2:26**
